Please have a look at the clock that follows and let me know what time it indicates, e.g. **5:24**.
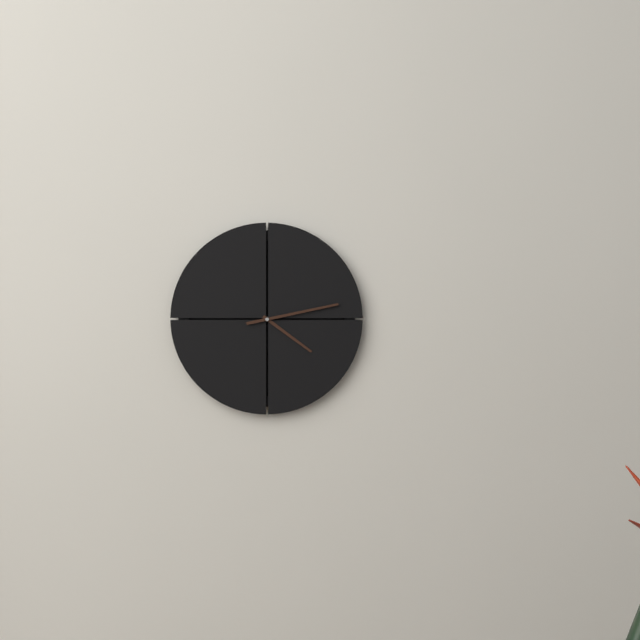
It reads **4:13**
